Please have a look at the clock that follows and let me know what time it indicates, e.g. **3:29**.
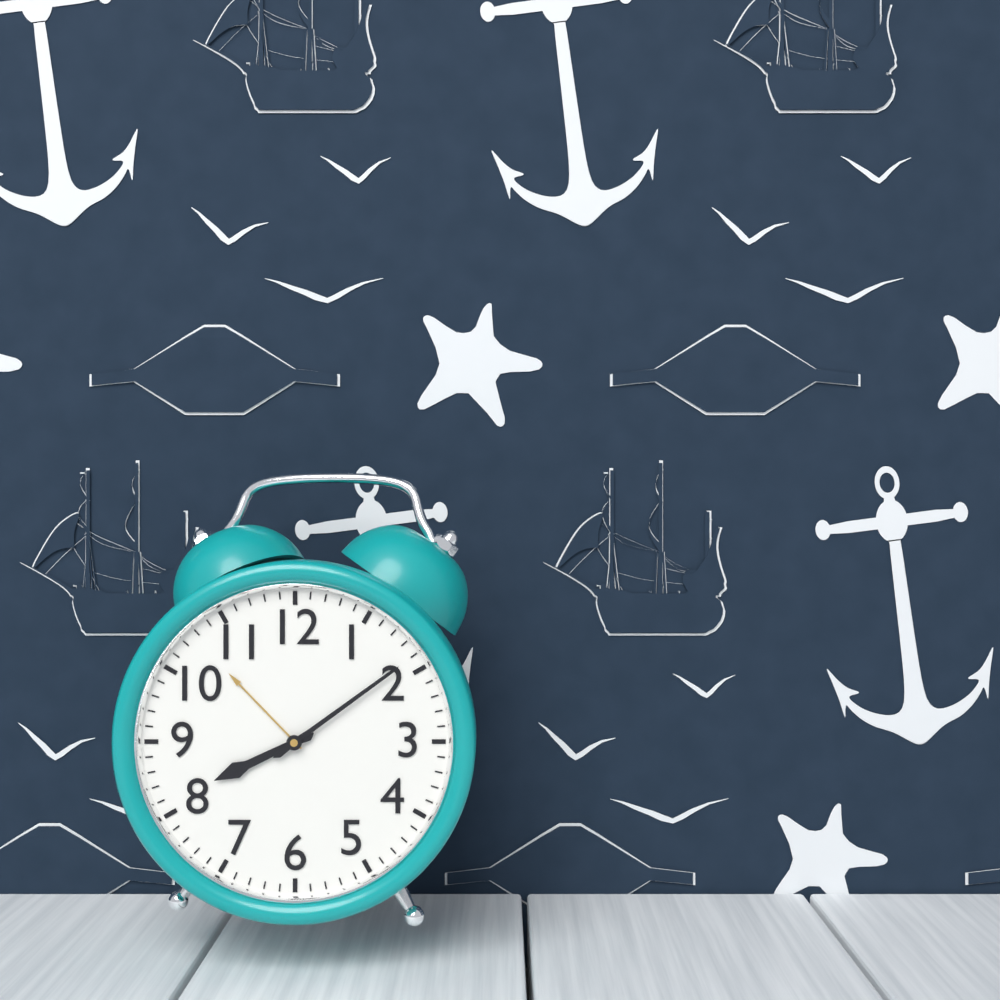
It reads **8:09**
